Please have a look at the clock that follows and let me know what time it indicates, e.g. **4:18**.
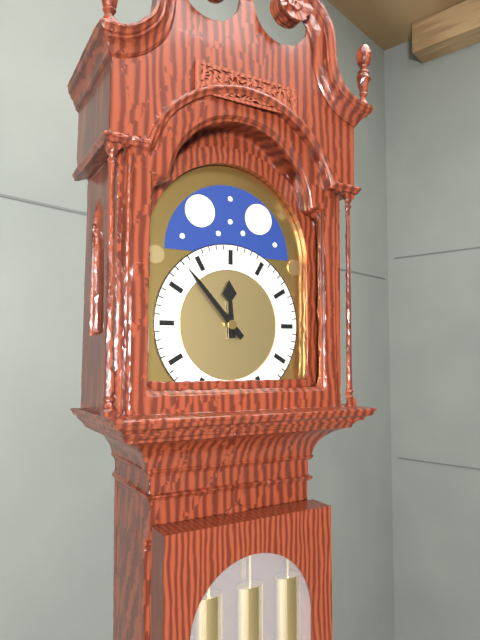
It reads **11:53**
